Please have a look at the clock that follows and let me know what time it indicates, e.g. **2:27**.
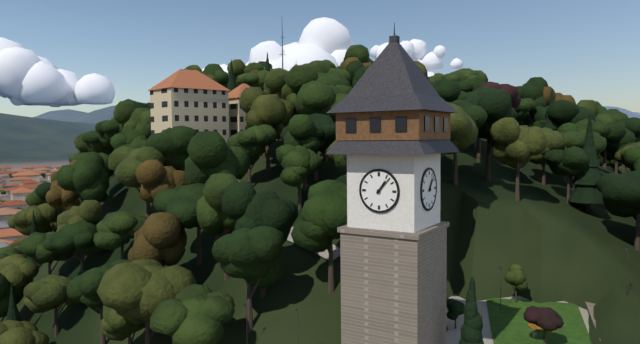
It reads **1:07**
